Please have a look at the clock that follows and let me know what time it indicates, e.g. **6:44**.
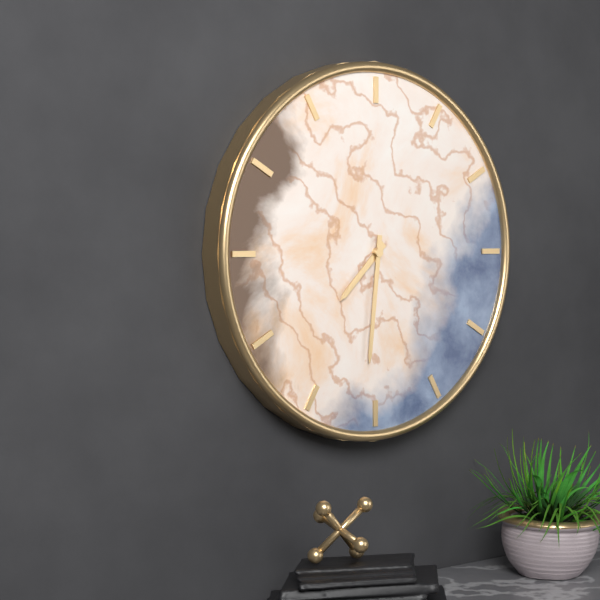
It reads **7:31**
